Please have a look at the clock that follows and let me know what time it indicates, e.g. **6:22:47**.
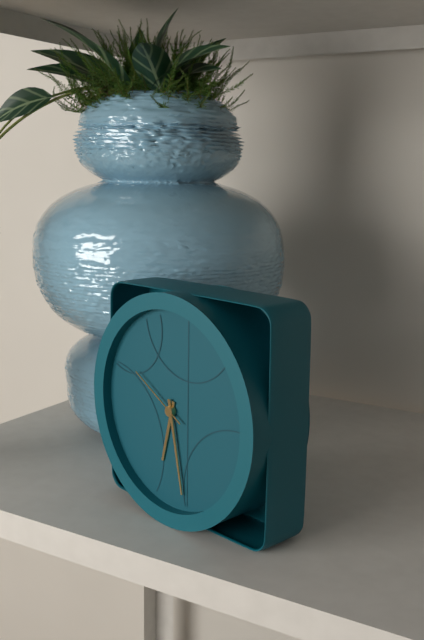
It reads **6:28:50**
